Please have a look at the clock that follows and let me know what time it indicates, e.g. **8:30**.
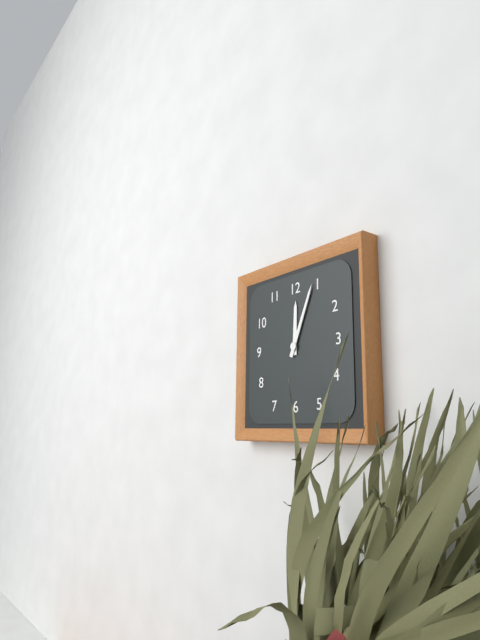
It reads **12:04**
